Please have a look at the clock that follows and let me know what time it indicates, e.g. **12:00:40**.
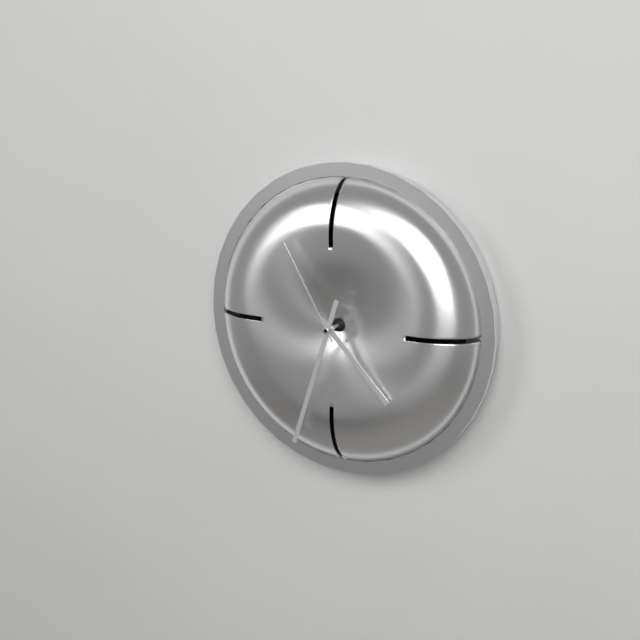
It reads **4:33:55**
